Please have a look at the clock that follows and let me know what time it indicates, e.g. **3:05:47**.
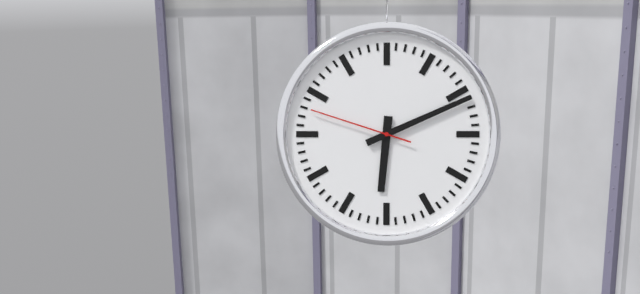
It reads **6:11:48**
